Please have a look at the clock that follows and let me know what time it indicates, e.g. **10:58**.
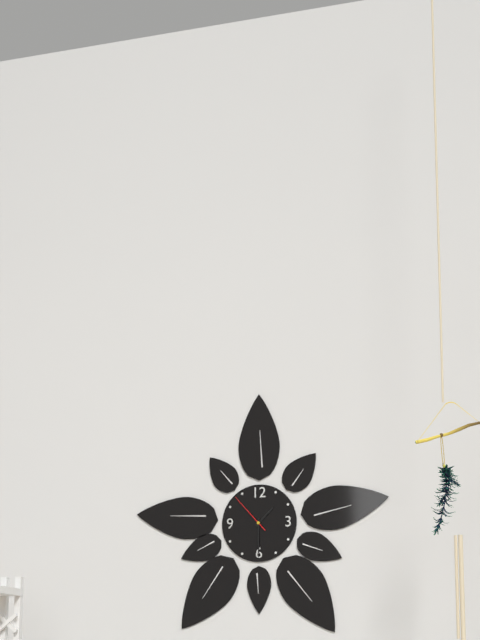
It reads **1:30**
